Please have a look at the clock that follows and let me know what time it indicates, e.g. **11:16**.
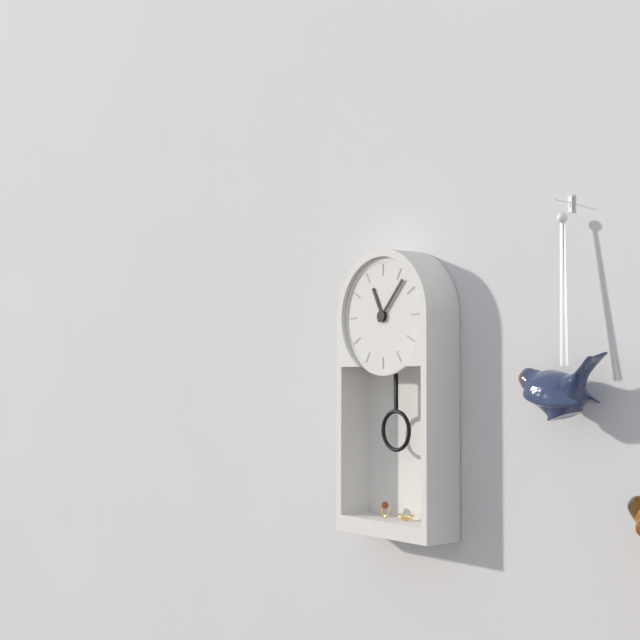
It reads **11:07**
